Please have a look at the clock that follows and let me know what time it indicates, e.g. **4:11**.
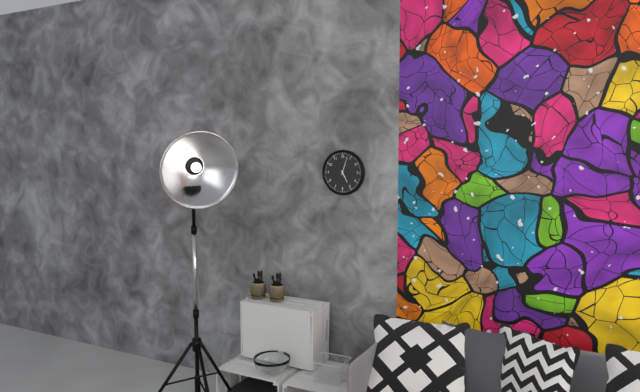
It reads **5:03**
